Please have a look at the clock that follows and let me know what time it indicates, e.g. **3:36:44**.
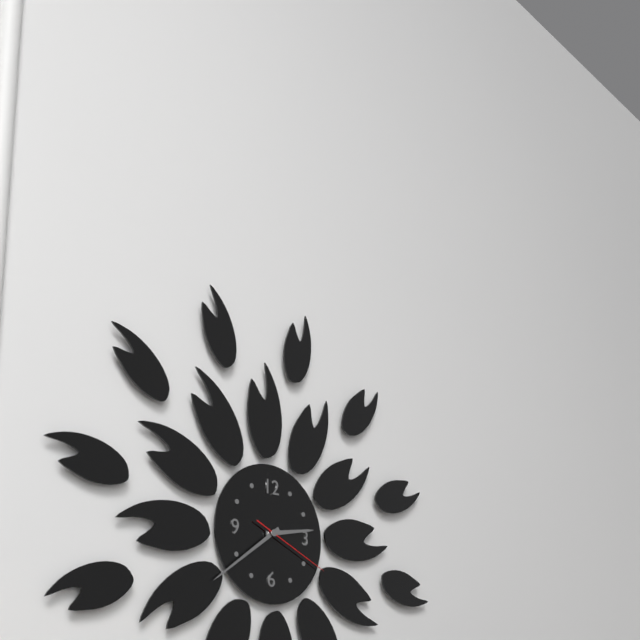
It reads **2:39:19**
